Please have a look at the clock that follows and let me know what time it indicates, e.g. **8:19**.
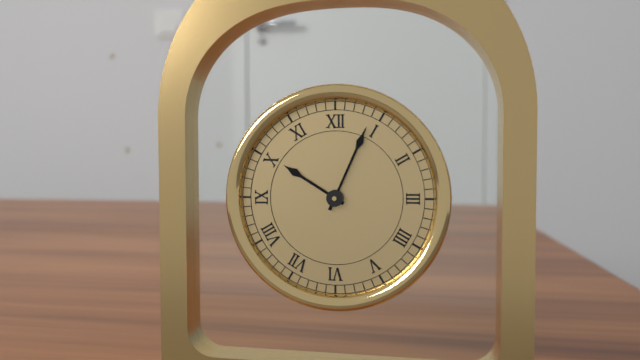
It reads **10:04**
